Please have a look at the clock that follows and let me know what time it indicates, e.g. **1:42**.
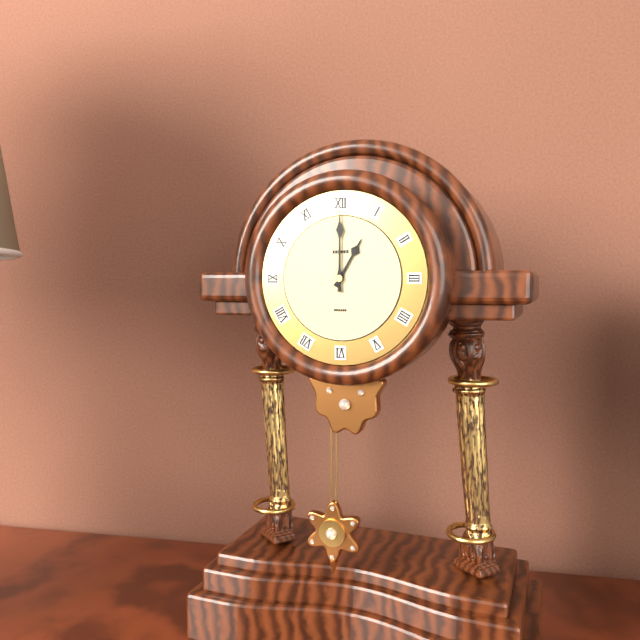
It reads **1:00**
